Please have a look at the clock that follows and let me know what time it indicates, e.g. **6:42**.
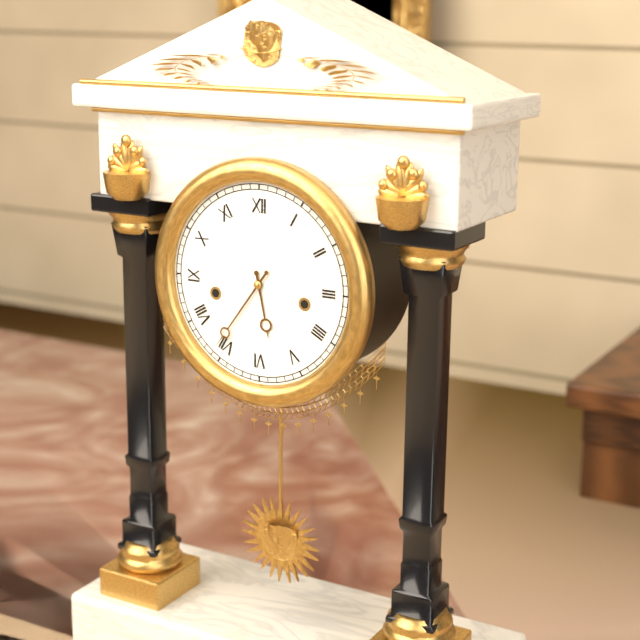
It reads **5:36**
